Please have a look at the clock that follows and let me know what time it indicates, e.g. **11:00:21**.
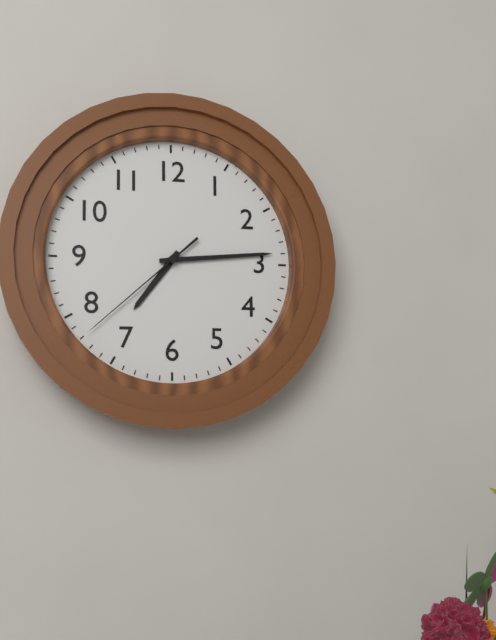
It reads **7:14:38**
